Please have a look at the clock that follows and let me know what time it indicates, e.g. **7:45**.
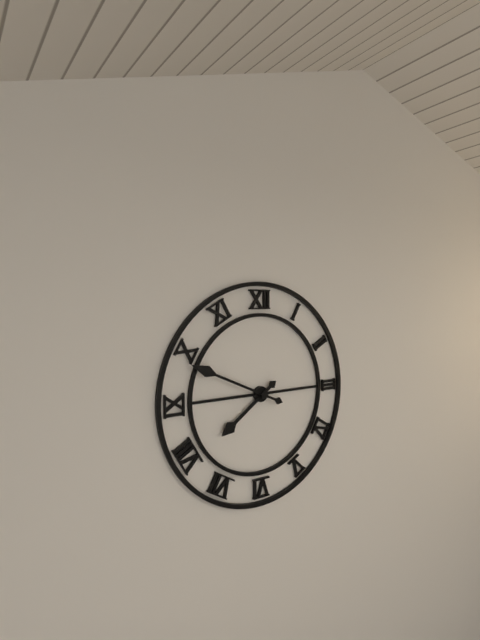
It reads **7:49**
